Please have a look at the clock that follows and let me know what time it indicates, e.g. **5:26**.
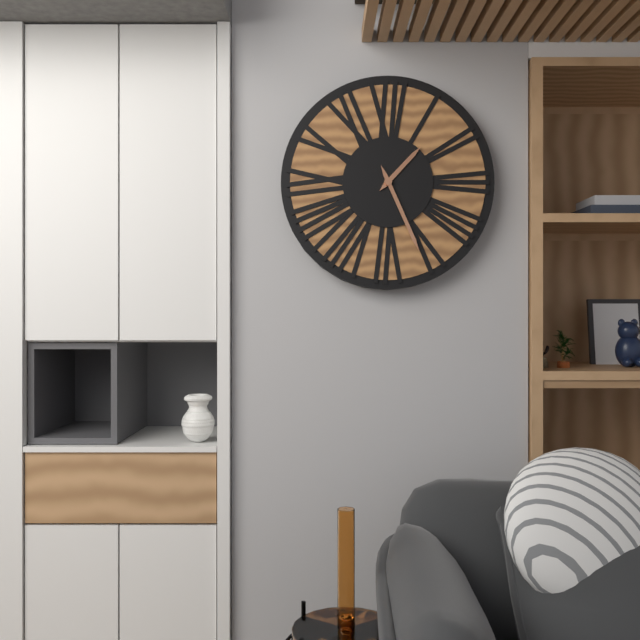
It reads **1:26**
